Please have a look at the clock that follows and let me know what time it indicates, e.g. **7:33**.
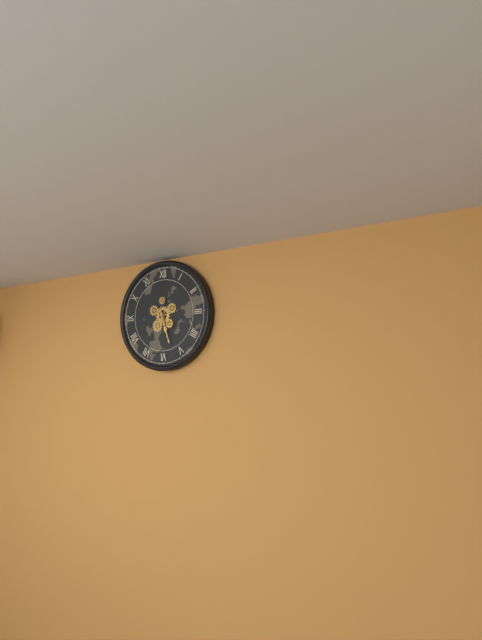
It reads **5:27**
